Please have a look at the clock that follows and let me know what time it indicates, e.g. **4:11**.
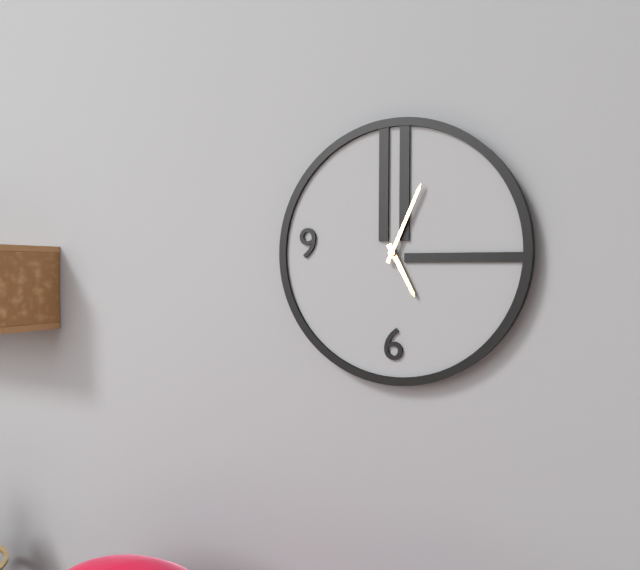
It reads **5:04**
